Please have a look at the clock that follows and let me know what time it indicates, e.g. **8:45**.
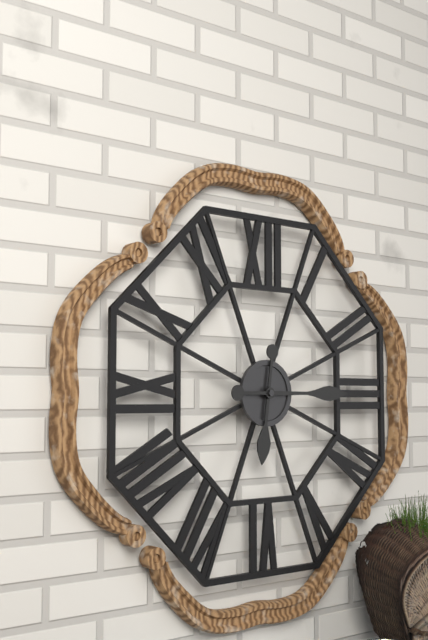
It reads **6:15**
